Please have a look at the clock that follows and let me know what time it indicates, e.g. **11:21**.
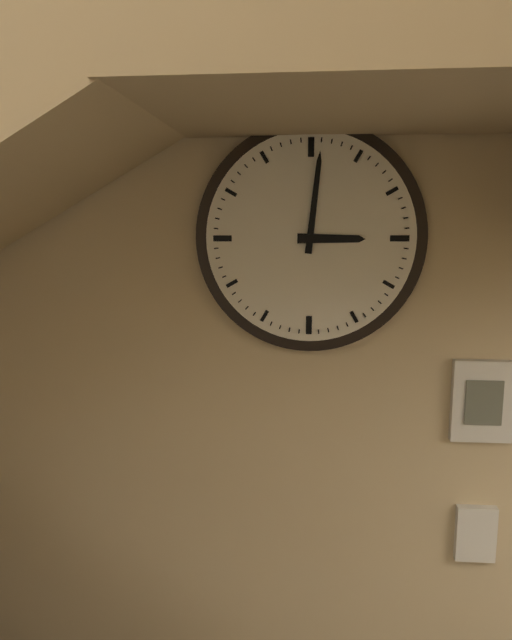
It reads **3:01**
